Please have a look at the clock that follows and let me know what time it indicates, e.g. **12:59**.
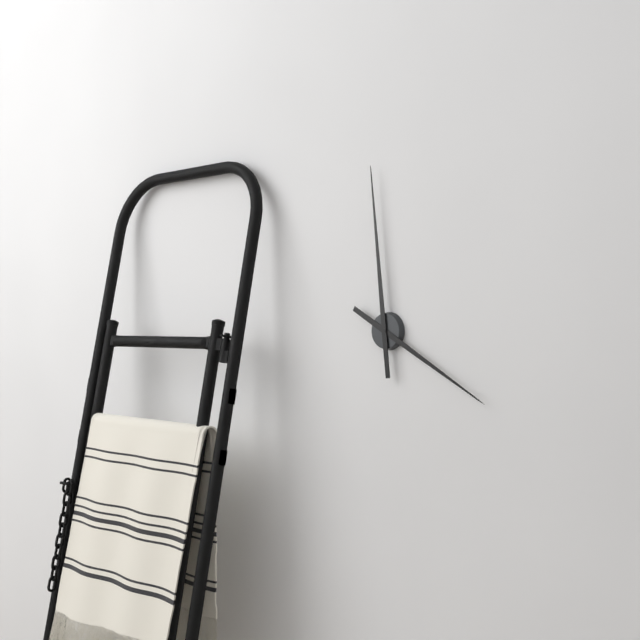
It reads **3:59**
